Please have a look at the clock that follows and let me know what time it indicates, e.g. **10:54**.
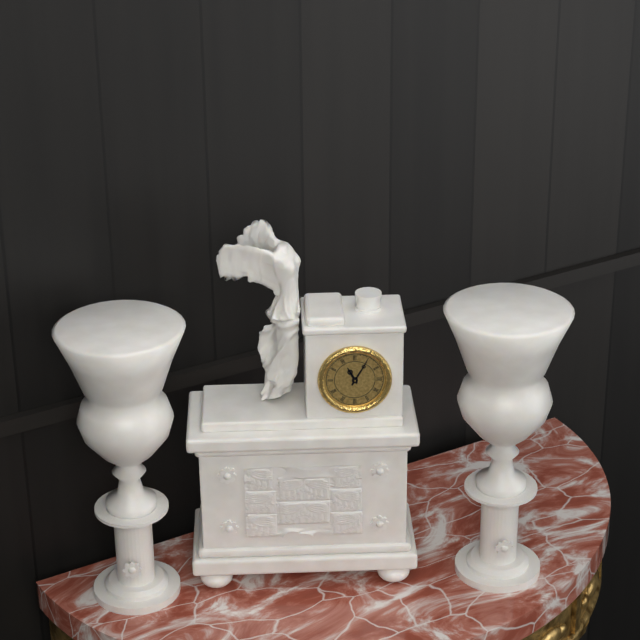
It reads **11:05**
